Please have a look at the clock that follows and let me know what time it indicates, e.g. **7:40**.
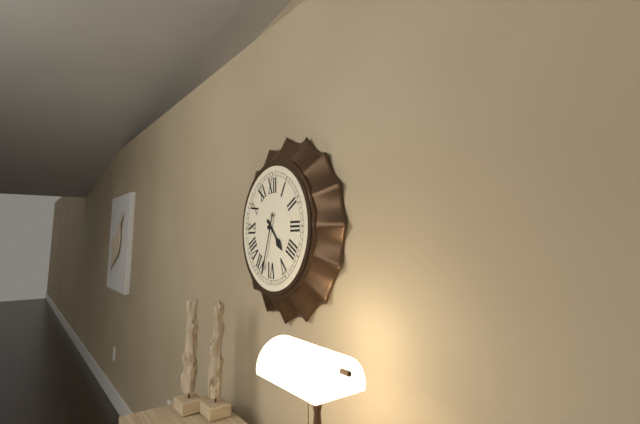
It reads **4:33**
